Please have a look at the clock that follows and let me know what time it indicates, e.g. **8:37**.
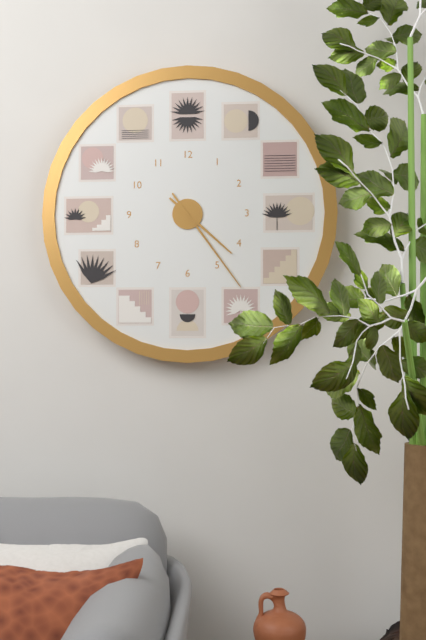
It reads **4:24**
